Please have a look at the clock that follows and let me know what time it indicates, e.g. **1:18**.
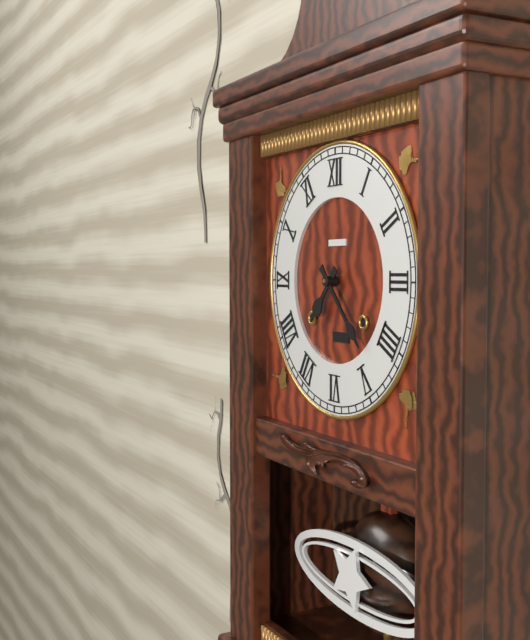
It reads **7:23**
